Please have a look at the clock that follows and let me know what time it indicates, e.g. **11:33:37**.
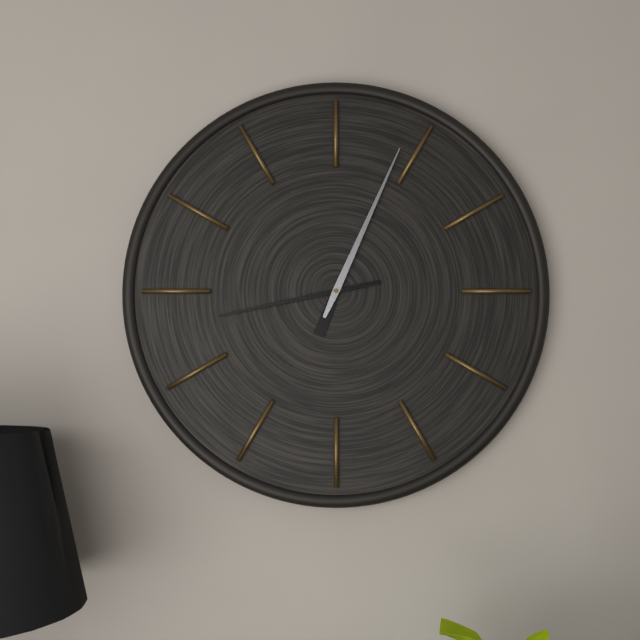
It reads **6:43:04**
